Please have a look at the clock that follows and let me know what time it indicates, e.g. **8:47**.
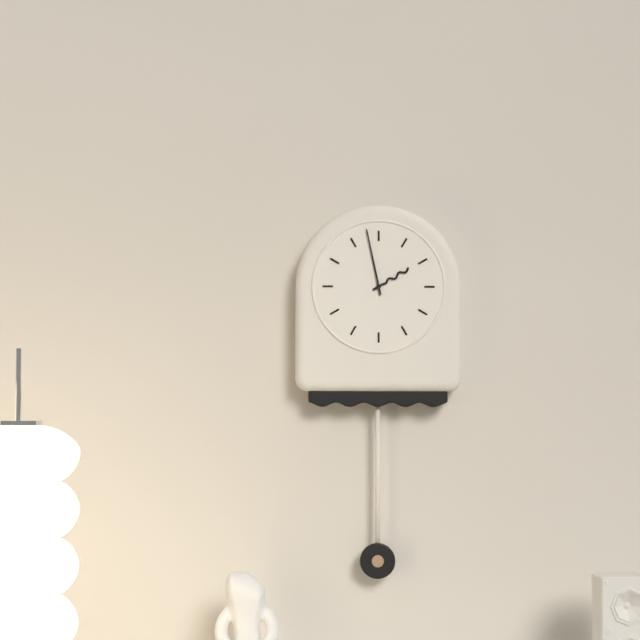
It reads **1:58**
